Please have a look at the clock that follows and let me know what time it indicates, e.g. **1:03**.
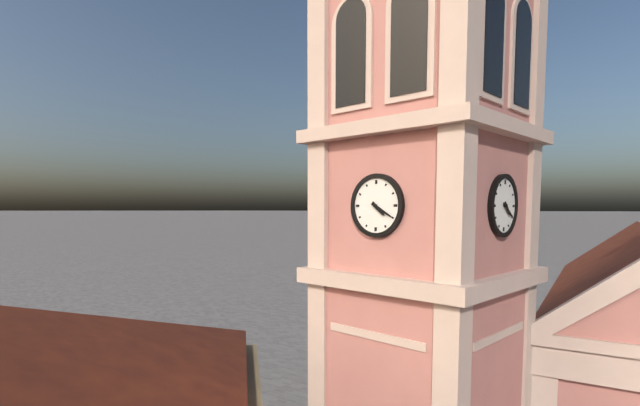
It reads **4:20**
